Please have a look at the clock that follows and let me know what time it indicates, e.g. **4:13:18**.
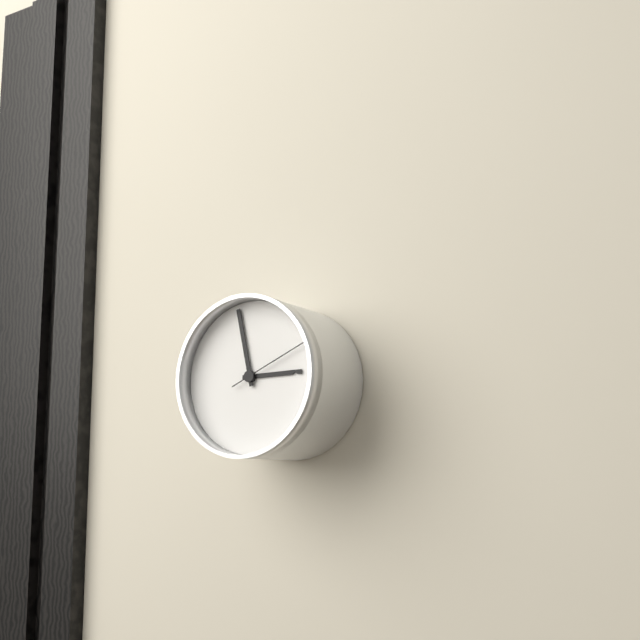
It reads **2:58:11**
